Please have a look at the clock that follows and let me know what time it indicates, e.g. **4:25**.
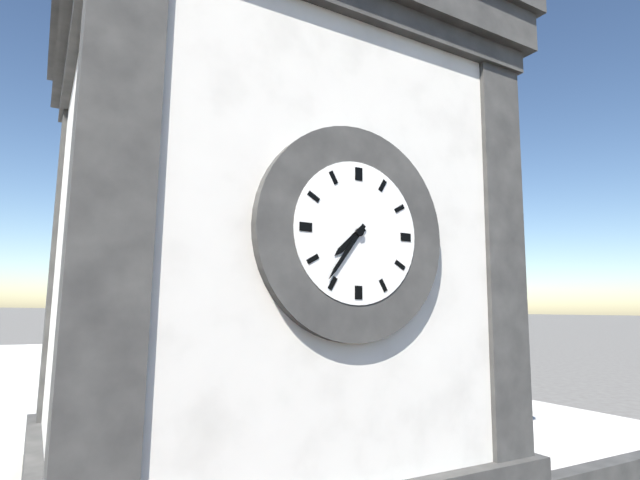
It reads **7:36**
